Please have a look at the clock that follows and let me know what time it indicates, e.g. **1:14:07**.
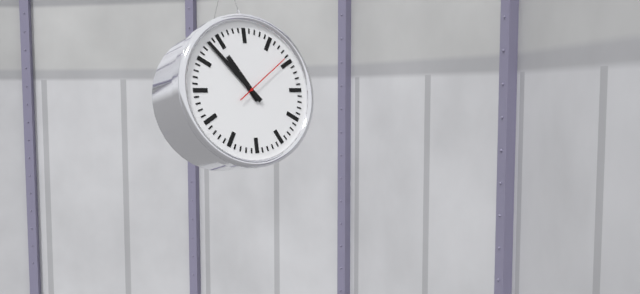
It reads **10:53:09**
